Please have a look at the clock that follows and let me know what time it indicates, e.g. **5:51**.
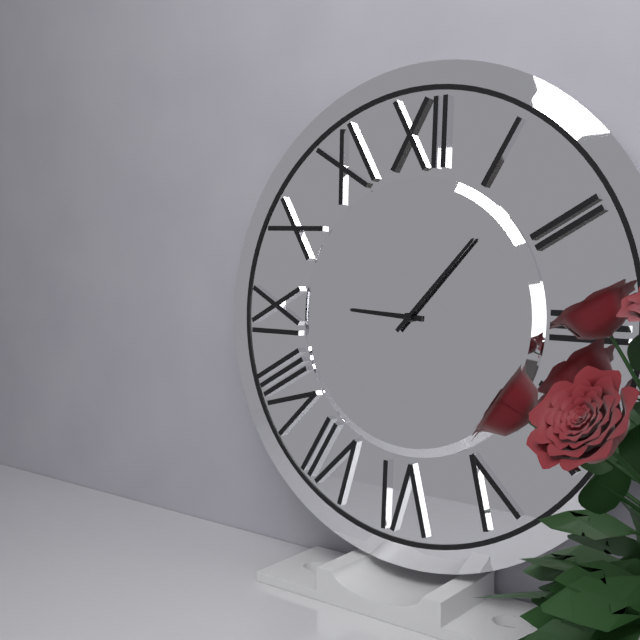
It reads **9:07**
